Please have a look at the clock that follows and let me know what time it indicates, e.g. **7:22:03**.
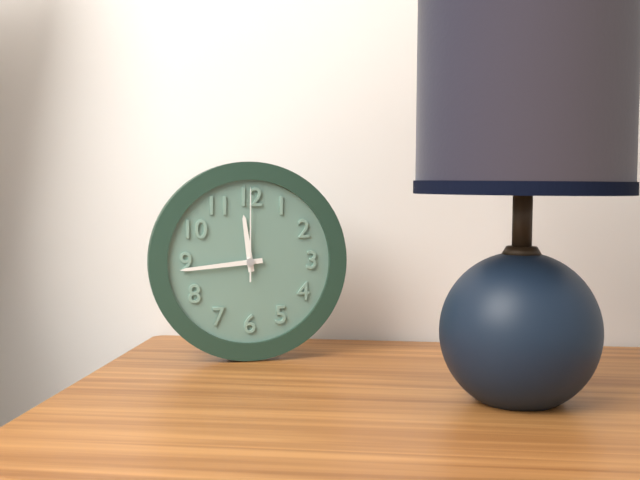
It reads **11:44:00**
